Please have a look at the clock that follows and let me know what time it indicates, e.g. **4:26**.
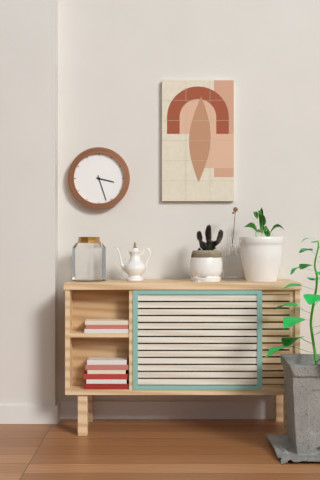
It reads **3:27**
